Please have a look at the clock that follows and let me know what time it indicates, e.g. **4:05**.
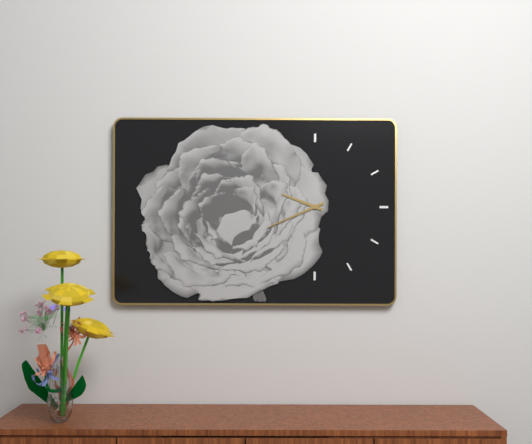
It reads **9:41**
